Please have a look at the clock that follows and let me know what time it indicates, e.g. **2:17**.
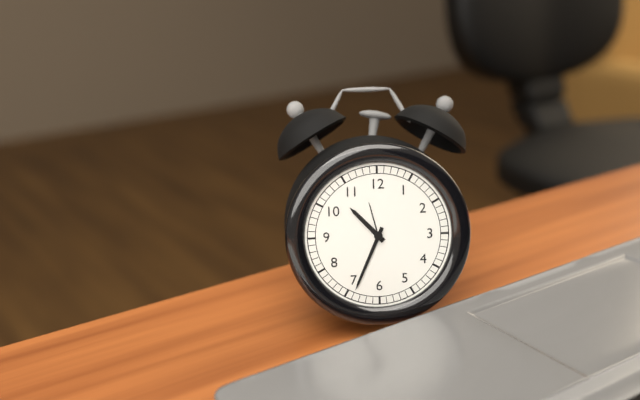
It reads **10:34**
